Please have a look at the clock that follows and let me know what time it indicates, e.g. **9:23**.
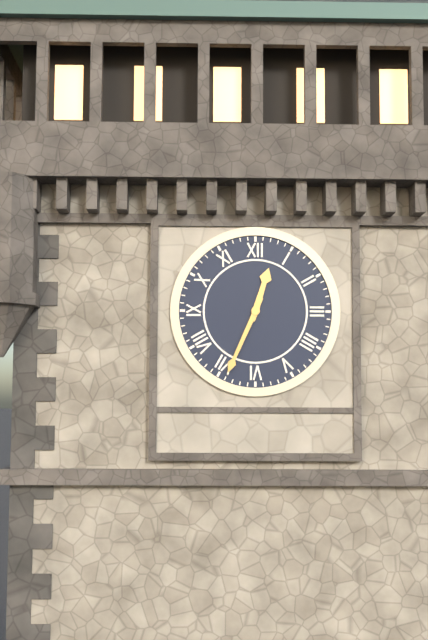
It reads **12:34**
